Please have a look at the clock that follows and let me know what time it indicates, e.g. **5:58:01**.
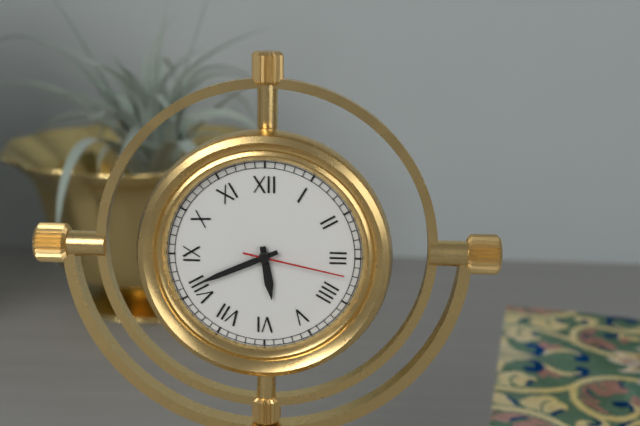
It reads **5:41:17**
